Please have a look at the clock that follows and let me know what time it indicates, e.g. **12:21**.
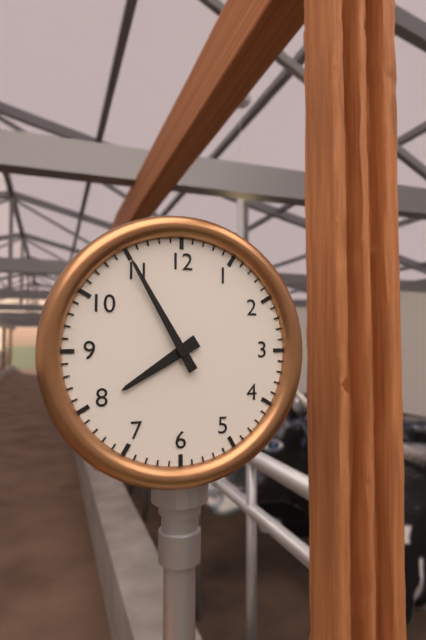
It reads **7:55**
